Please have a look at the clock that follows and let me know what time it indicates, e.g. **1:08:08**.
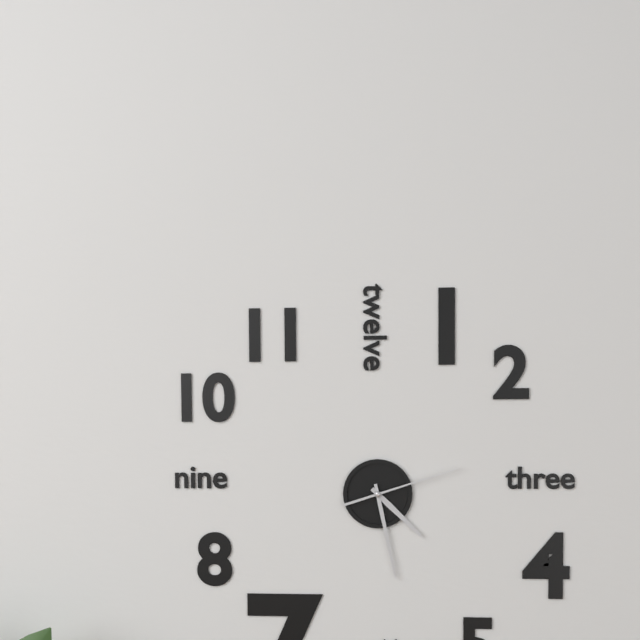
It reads **4:28:12**
